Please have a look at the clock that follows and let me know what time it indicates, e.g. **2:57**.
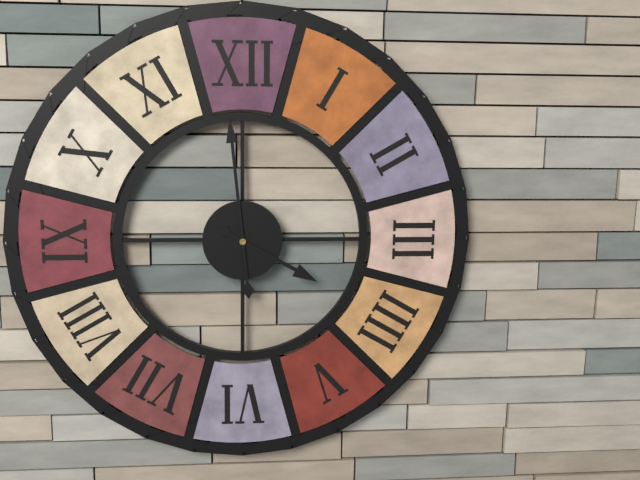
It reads **3:59**
